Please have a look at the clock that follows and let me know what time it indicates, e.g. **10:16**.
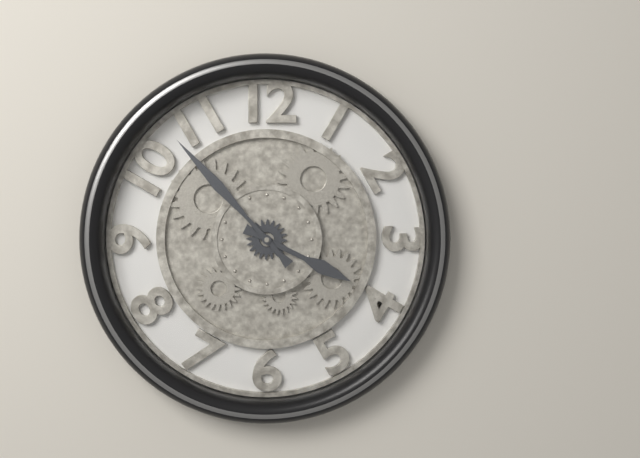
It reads **3:53**
